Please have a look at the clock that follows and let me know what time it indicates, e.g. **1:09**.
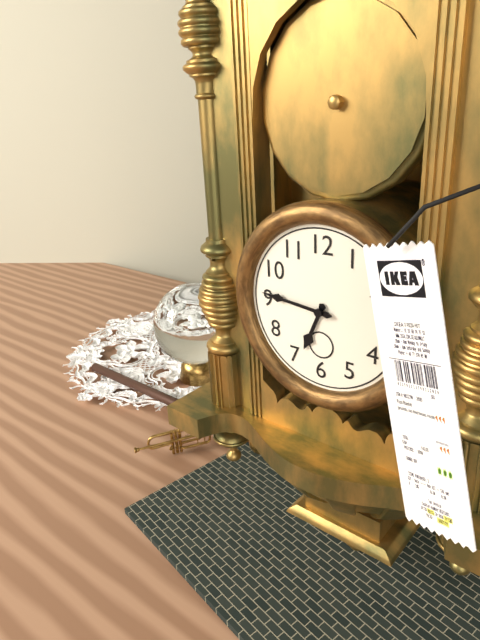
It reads **6:46**
